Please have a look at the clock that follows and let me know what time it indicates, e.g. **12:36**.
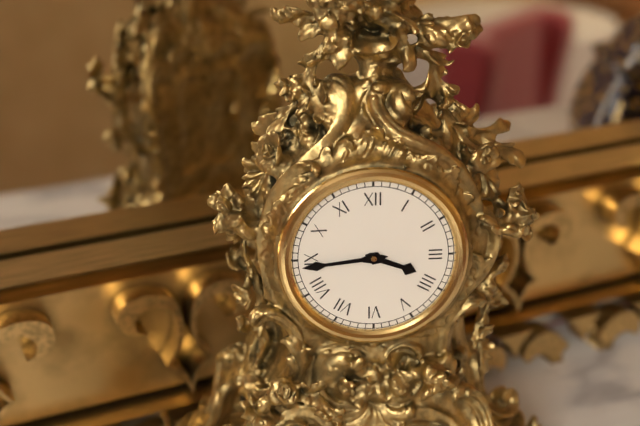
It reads **3:44**
